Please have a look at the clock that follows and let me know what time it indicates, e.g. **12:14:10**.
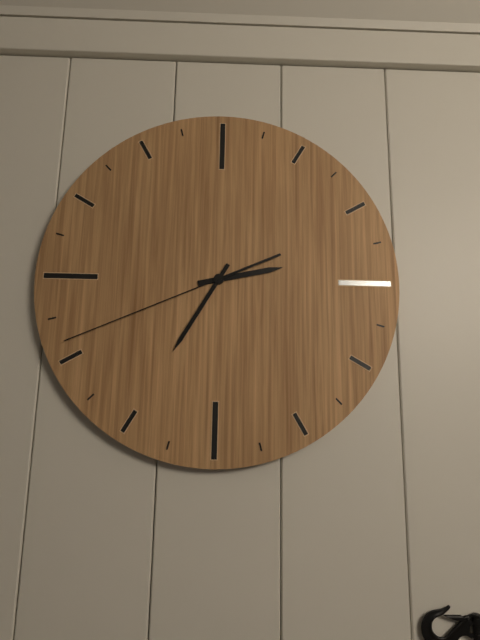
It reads **2:35:41**
